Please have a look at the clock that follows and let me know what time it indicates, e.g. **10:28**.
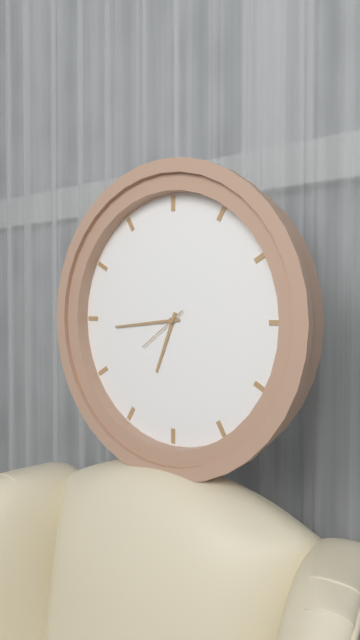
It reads **6:44**
